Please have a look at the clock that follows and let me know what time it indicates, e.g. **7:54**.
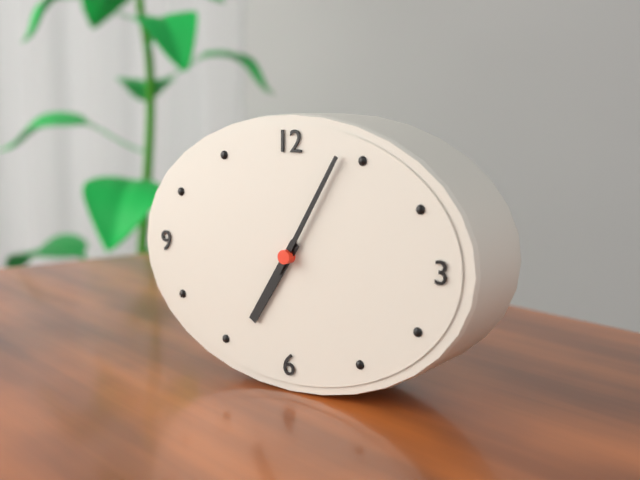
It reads **7:05**
